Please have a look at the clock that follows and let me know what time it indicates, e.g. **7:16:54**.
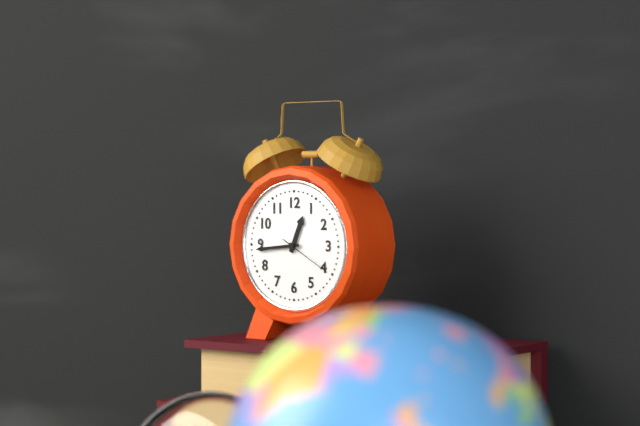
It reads **12:44:20**
